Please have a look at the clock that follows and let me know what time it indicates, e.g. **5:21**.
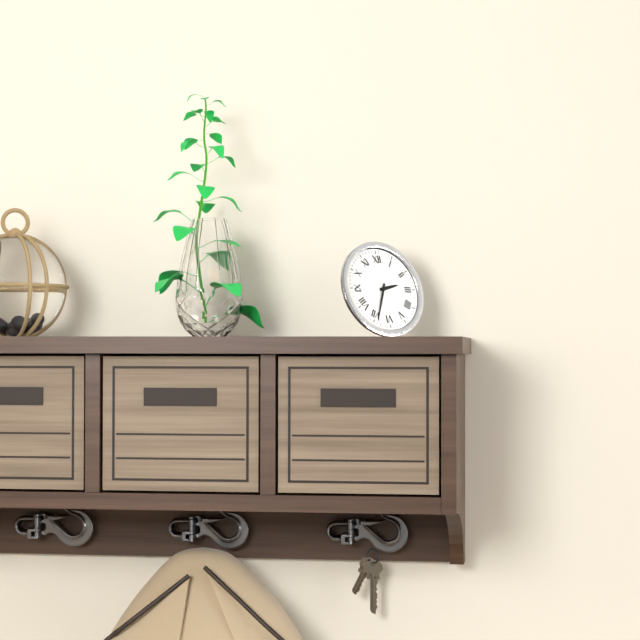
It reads **2:34**
